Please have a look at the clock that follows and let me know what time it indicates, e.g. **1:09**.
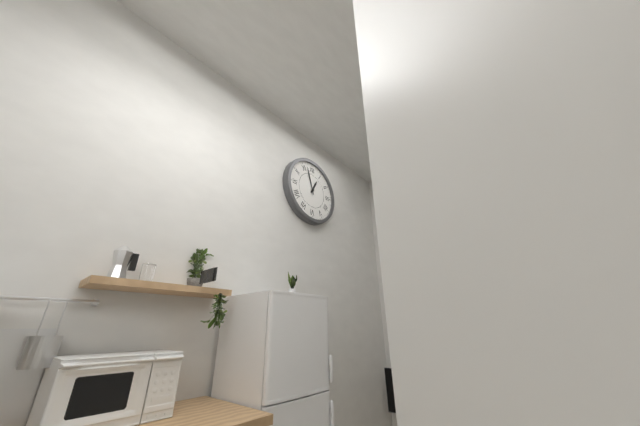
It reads **12:57**
